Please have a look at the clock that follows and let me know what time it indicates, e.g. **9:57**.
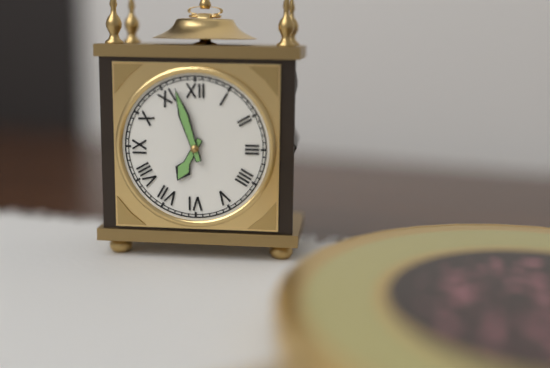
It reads **6:57**
